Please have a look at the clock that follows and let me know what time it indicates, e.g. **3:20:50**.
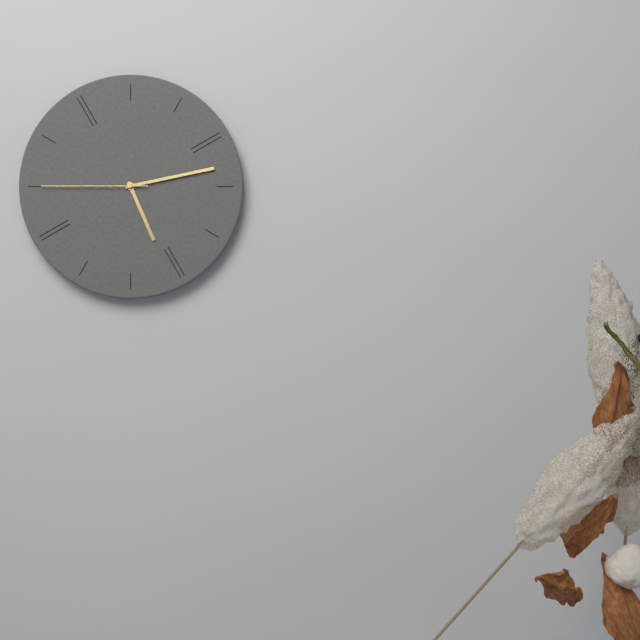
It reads **5:13:45**
